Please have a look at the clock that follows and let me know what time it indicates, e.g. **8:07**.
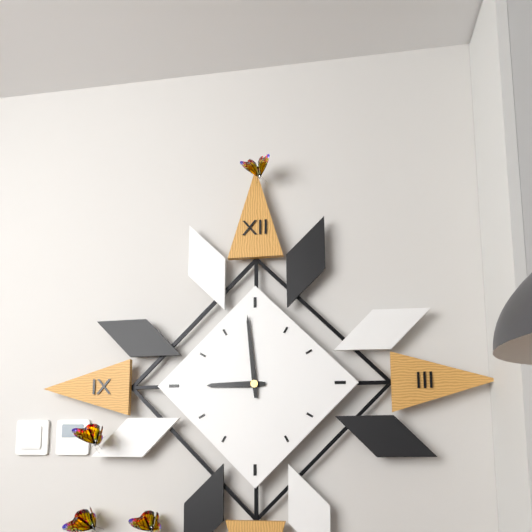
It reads **8:59**
